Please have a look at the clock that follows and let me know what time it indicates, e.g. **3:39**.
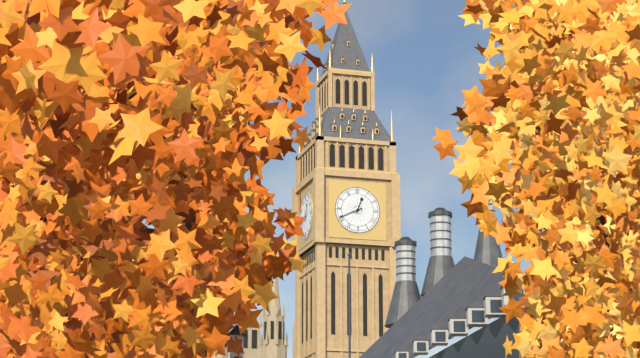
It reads **12:41**
